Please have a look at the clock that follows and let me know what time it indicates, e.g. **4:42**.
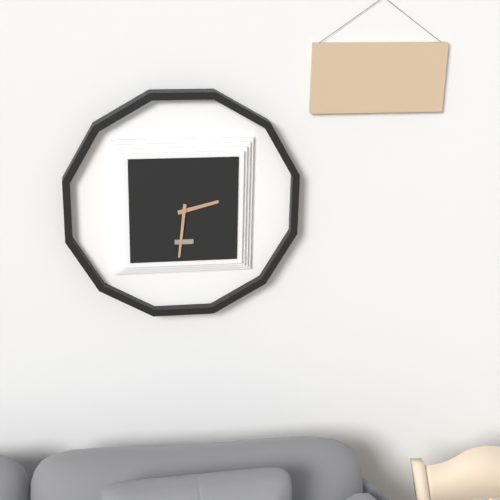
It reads **2:31**
